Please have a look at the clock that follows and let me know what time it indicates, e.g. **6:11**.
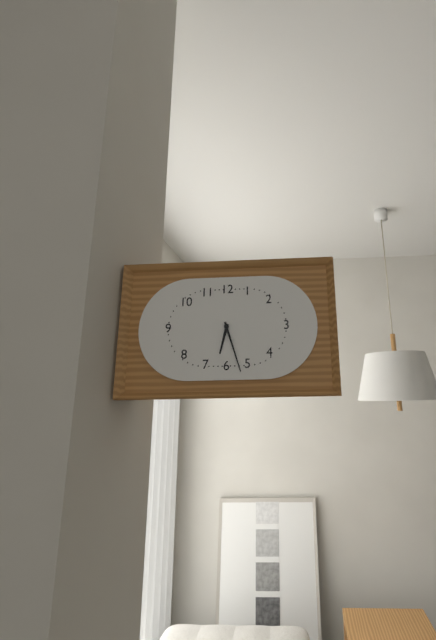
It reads **6:27**
